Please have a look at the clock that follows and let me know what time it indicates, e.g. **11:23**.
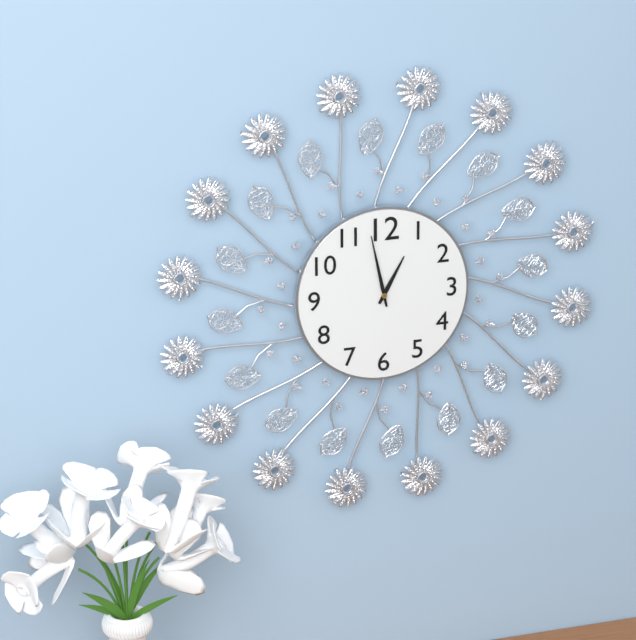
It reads **12:58**
